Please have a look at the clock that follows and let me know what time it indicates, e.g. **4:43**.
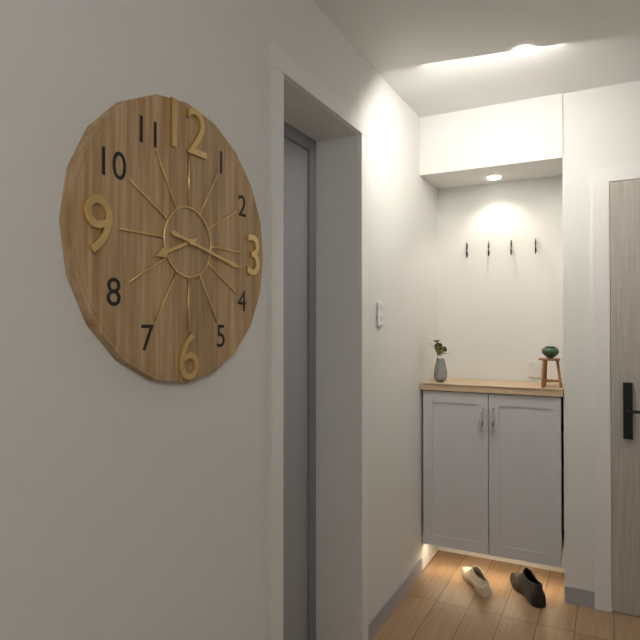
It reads **8:17**
